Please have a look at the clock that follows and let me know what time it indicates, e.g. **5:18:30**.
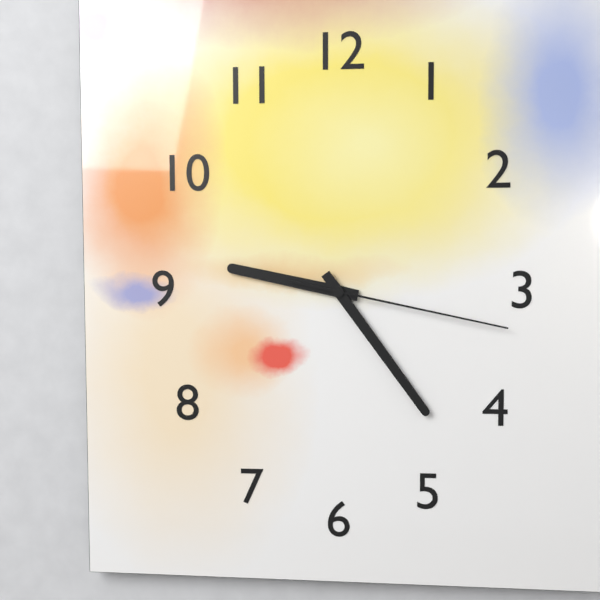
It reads **9:24:17**
